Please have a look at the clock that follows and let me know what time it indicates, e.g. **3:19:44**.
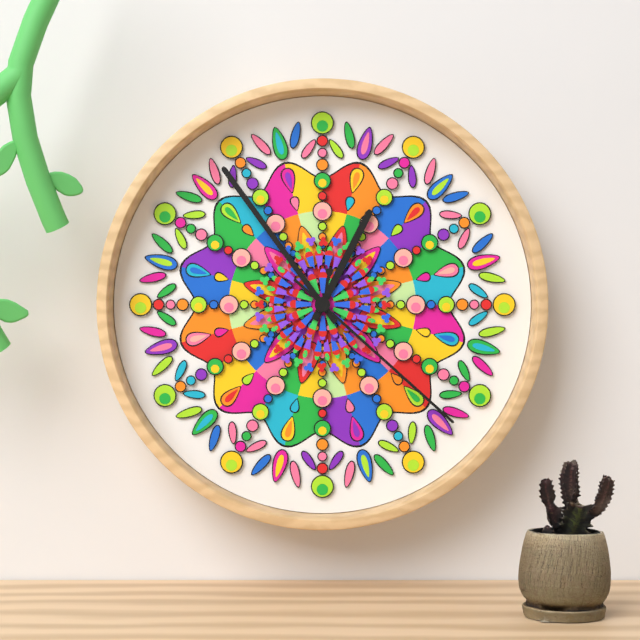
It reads **12:54:22**
